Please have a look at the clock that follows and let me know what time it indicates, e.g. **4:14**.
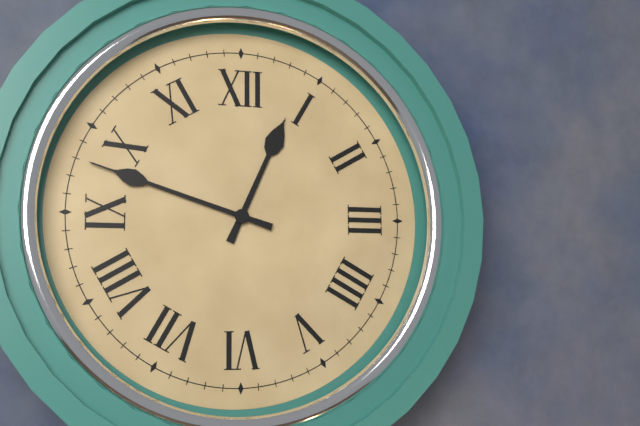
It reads **12:48**
